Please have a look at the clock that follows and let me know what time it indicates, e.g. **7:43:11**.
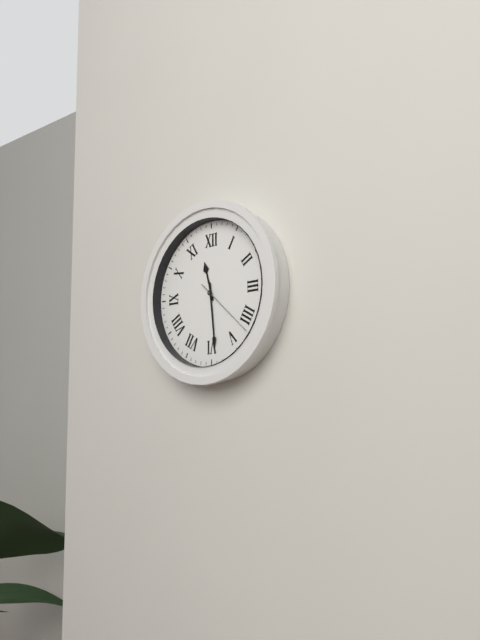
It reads **11:29:22**
